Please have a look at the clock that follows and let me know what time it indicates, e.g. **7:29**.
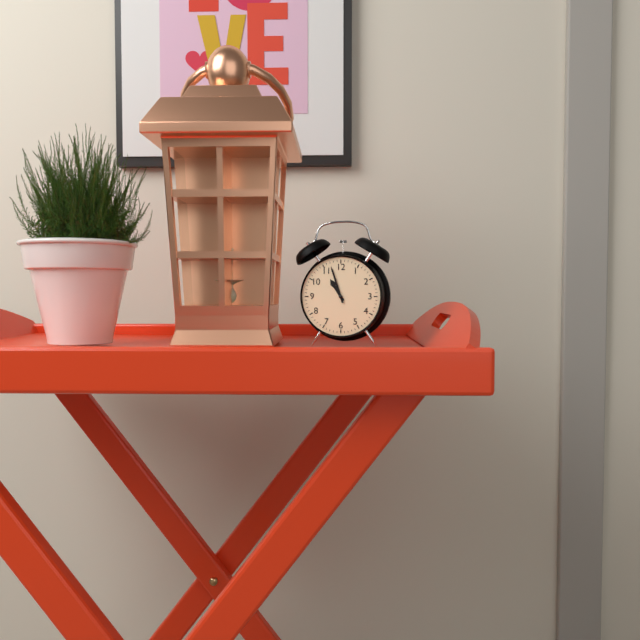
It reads **10:57**
